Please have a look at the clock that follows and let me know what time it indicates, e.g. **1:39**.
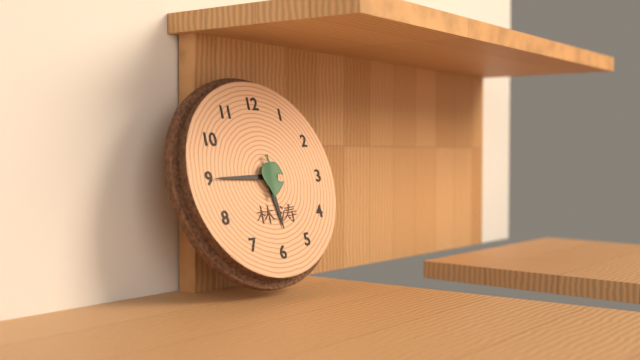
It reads **5:45**
